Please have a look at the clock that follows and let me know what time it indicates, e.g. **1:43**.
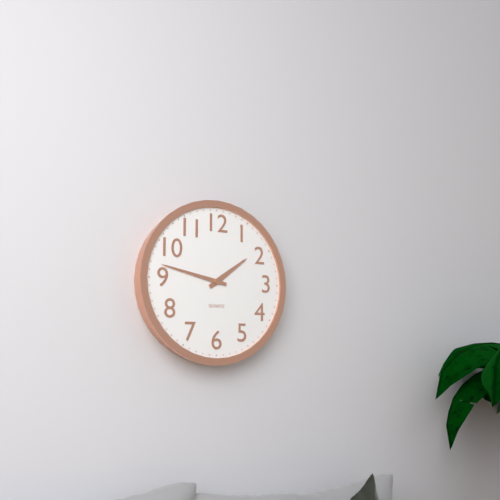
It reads **1:47**
